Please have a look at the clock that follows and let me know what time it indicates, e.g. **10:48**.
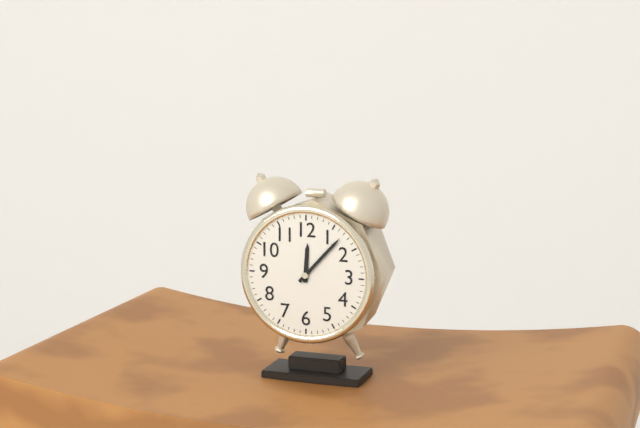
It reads **12:07**
